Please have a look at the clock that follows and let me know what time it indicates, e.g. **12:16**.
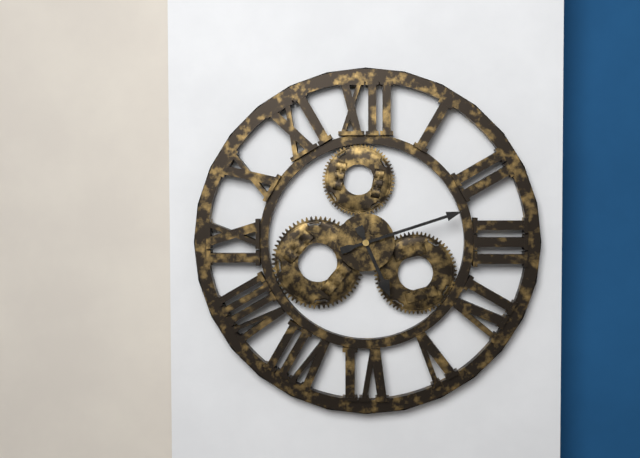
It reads **5:12**
